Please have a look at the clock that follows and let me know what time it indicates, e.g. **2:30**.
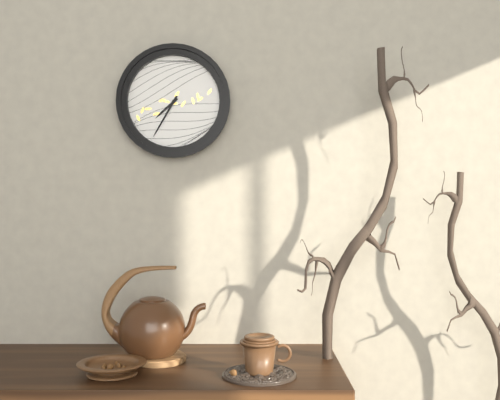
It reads **7:35**
